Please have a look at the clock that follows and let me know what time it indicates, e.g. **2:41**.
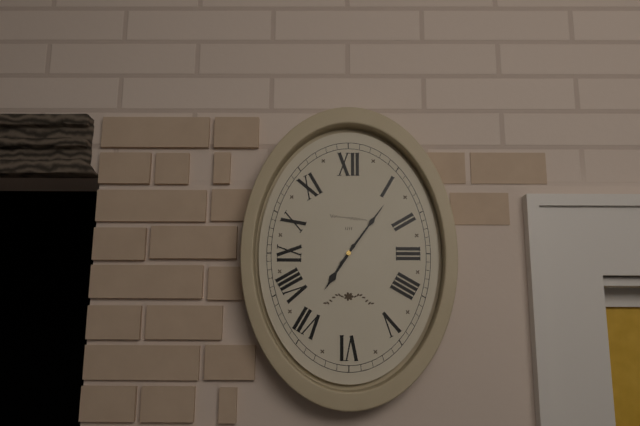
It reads **7:06**
